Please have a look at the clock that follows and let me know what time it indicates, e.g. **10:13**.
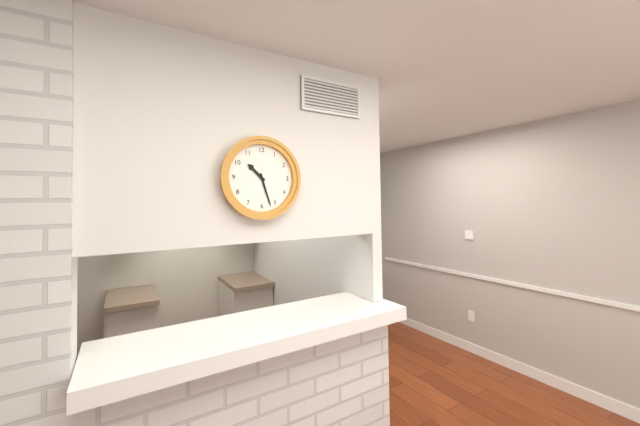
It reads **10:27**
